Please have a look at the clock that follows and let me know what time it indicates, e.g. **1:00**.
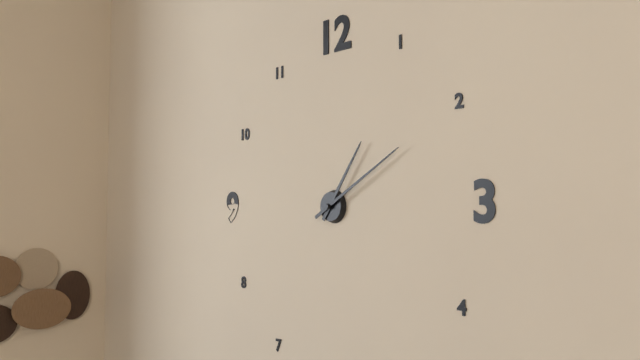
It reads **1:10**
